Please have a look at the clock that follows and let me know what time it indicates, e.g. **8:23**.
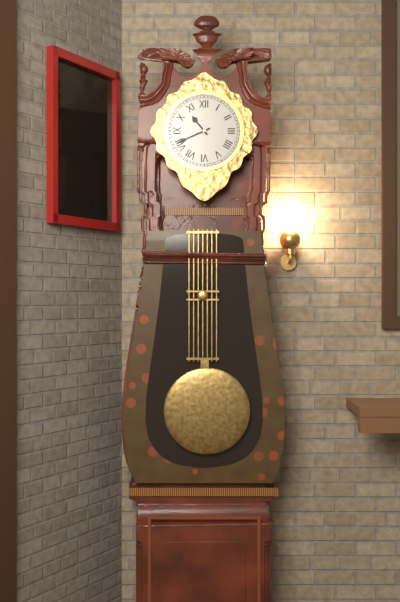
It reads **10:41**
